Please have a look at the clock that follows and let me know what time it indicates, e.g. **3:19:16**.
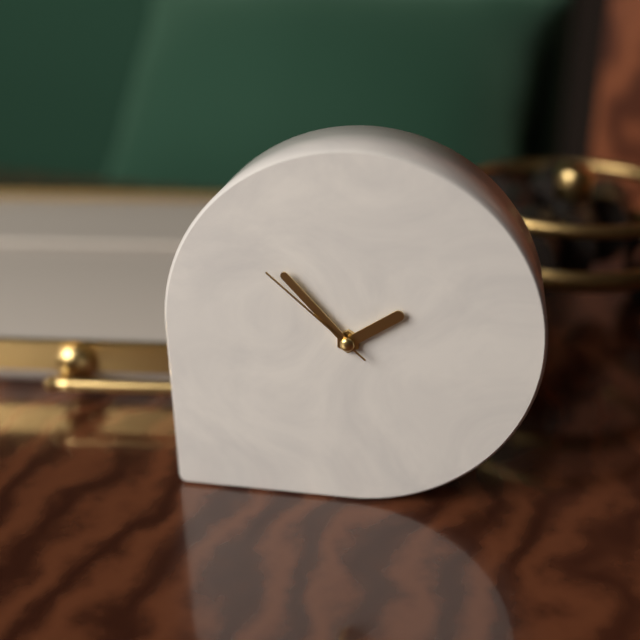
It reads **1:53:52**
